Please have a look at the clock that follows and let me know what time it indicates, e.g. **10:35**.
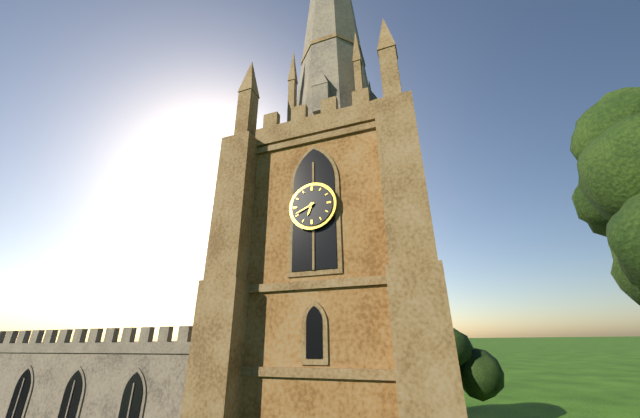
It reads **6:41**
